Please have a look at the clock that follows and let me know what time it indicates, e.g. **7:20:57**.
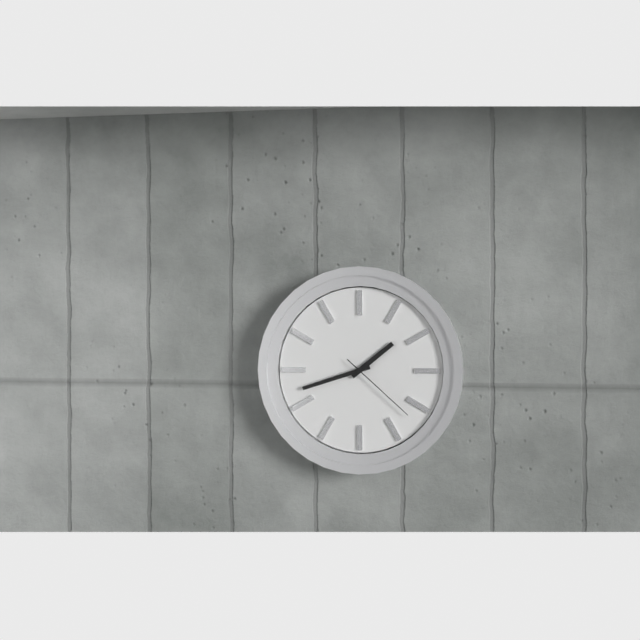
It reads **1:42:22**
